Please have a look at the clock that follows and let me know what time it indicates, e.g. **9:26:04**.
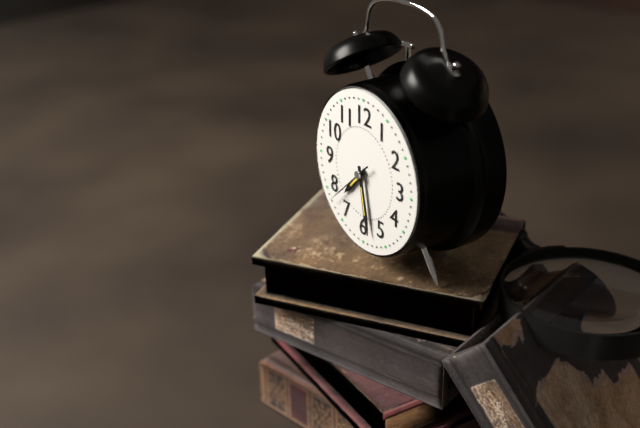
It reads **7:28:38**
